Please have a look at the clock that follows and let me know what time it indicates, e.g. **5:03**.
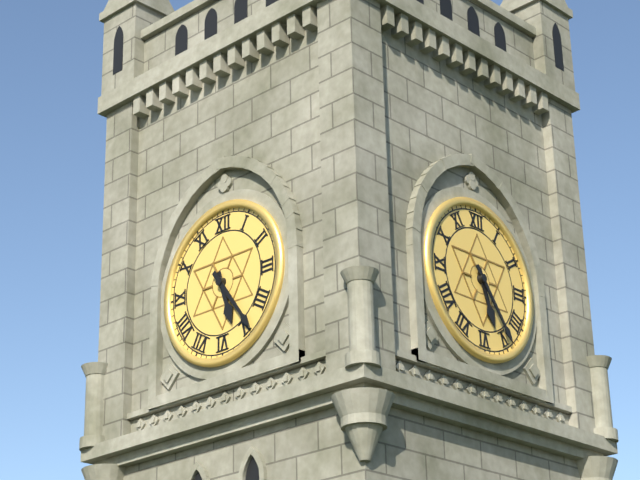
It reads **5:24**
